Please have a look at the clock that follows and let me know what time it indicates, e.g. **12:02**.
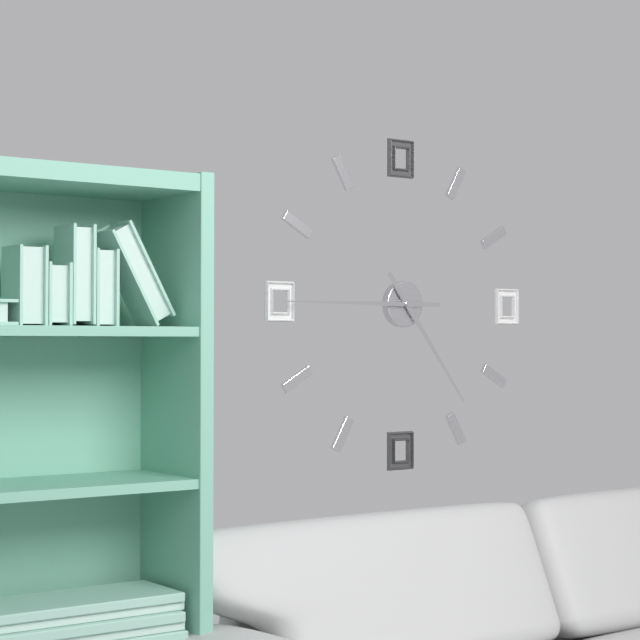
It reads **4:45**
